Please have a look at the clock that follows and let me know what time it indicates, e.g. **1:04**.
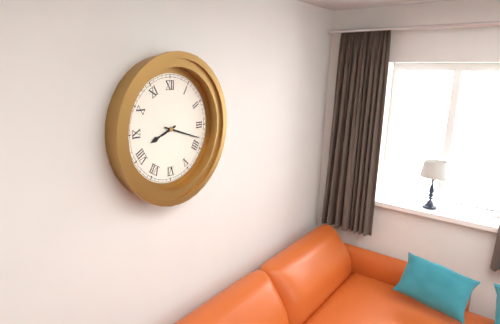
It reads **8:18**
